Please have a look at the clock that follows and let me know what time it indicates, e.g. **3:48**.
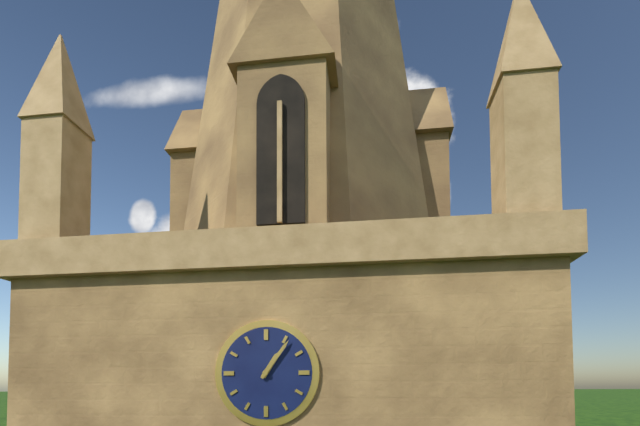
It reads **1:06**
